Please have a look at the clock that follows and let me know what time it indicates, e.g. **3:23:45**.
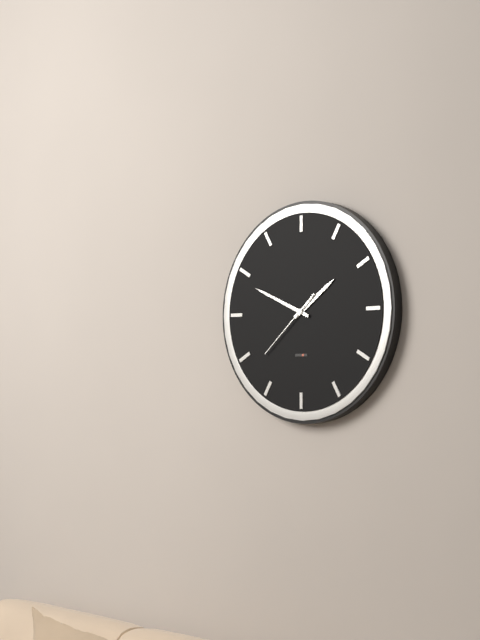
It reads **1:49:38**
